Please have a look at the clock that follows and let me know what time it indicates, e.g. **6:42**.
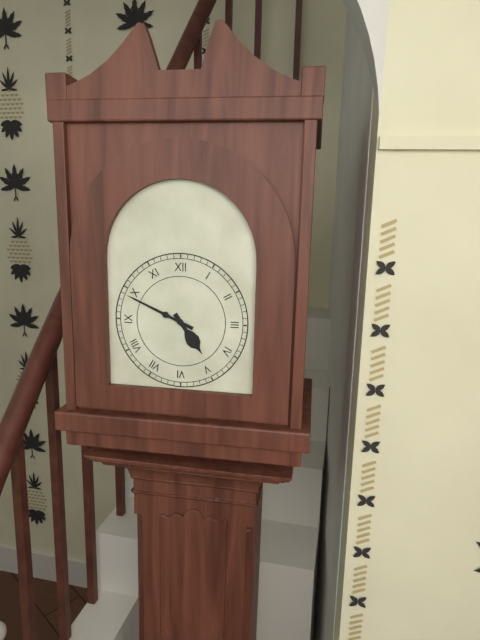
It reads **4:49**
